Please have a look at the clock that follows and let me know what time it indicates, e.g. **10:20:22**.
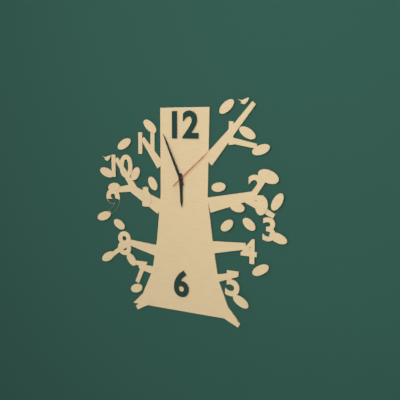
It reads **5:56:08**
